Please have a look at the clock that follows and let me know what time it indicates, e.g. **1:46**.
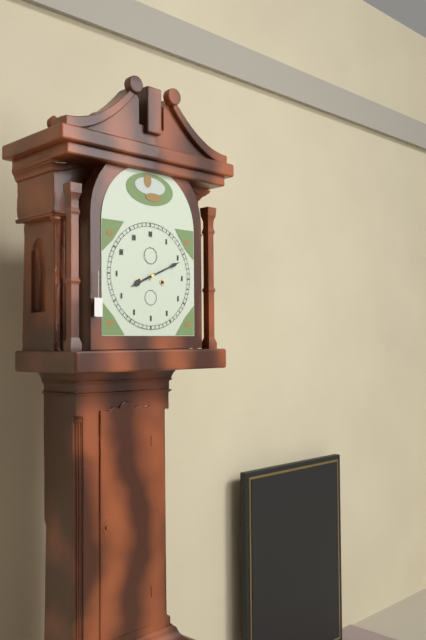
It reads **8:11**
